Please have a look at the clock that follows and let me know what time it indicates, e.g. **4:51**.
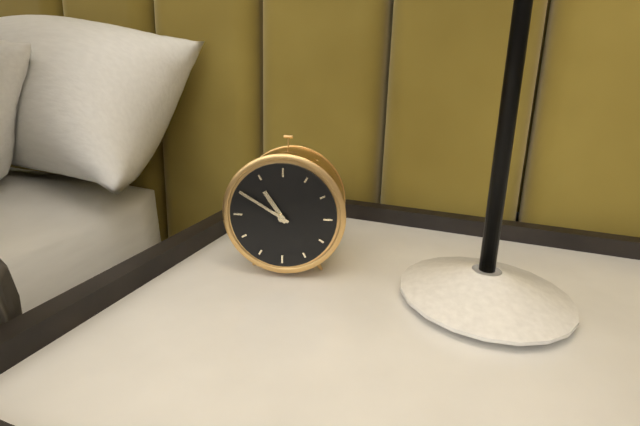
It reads **10:50**
